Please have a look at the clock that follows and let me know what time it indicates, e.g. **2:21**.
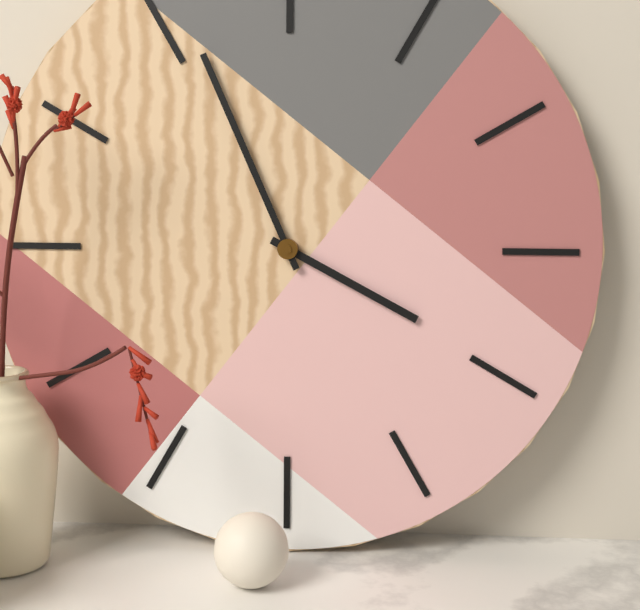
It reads **3:56**
